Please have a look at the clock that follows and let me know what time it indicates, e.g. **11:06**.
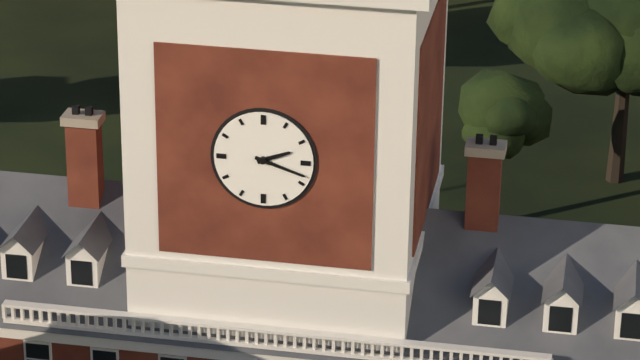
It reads **2:18**
